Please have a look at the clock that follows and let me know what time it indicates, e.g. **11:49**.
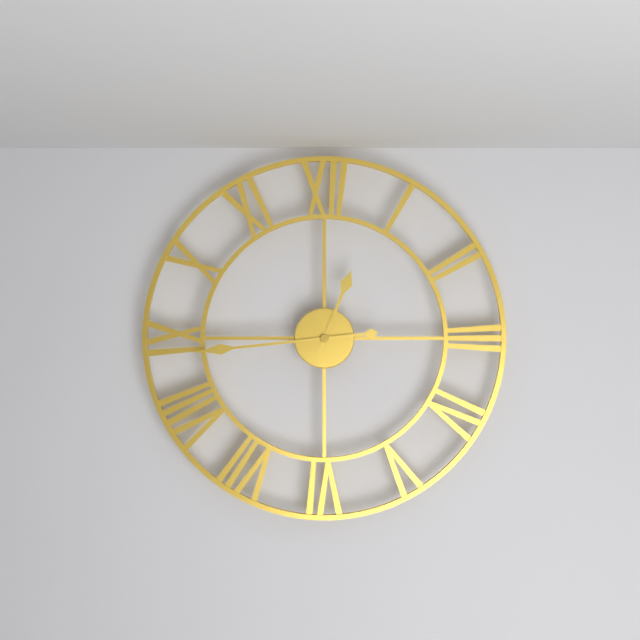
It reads **12:44**
